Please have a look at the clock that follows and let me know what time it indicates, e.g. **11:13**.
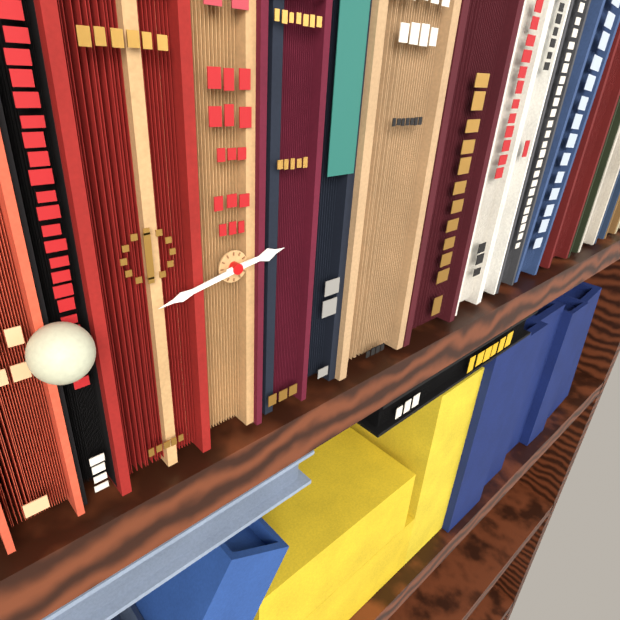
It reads **2:43**
